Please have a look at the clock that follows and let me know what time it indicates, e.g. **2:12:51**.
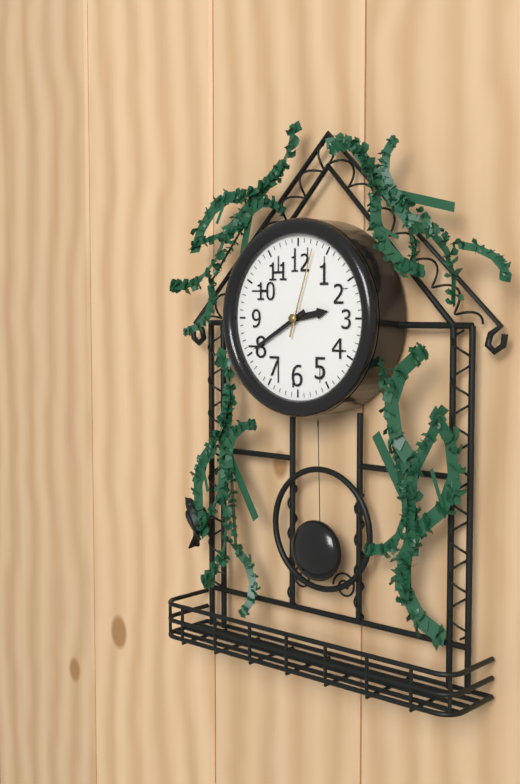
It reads **2:40:03**
